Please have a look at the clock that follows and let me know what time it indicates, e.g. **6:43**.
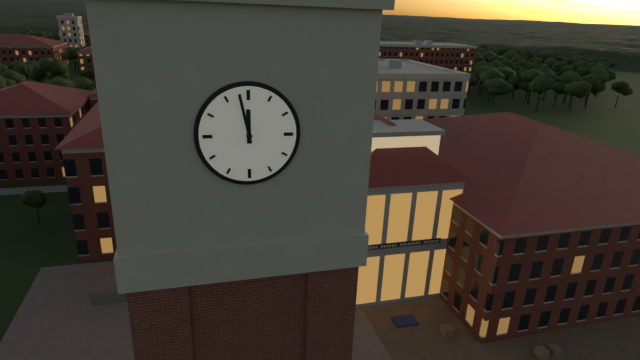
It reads **11:58**
